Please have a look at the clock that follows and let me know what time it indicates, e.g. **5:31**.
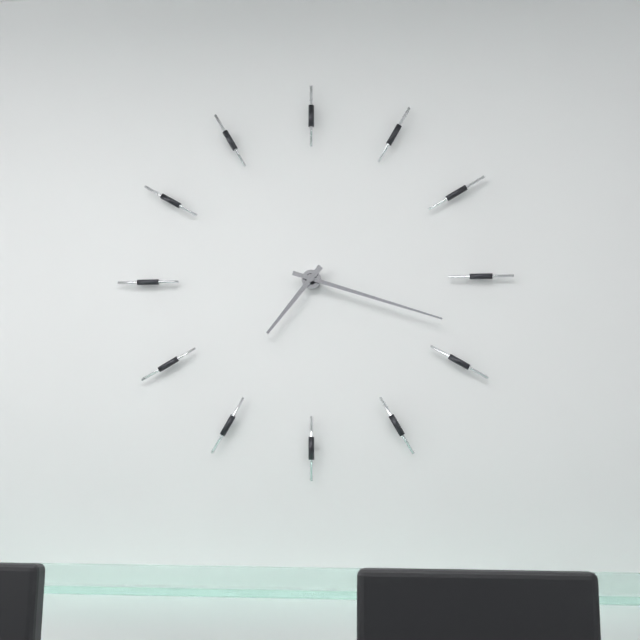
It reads **7:18**
